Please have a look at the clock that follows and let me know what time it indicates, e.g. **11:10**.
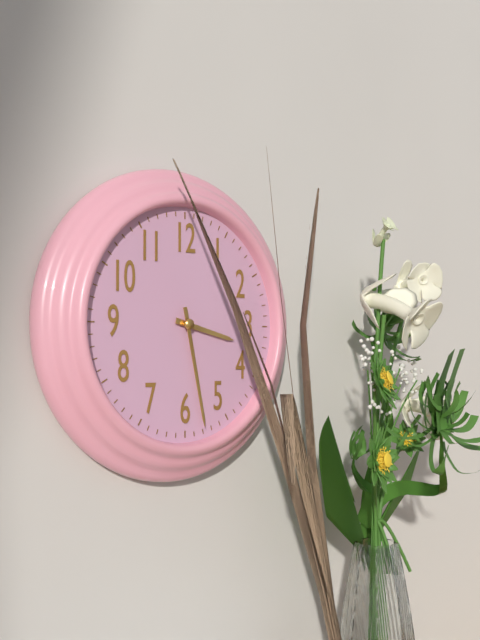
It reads **3:28**
